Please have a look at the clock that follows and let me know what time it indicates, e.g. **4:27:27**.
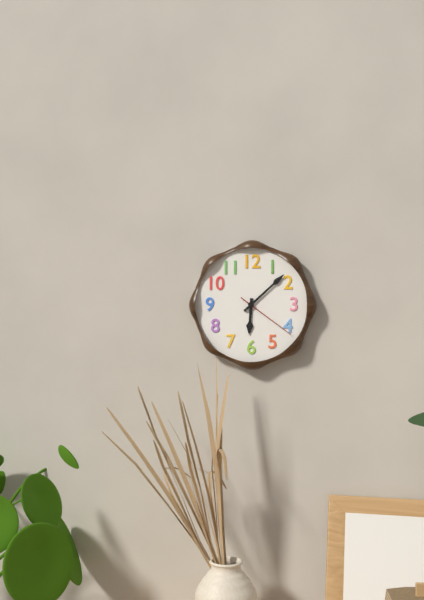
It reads **6:08:21**
